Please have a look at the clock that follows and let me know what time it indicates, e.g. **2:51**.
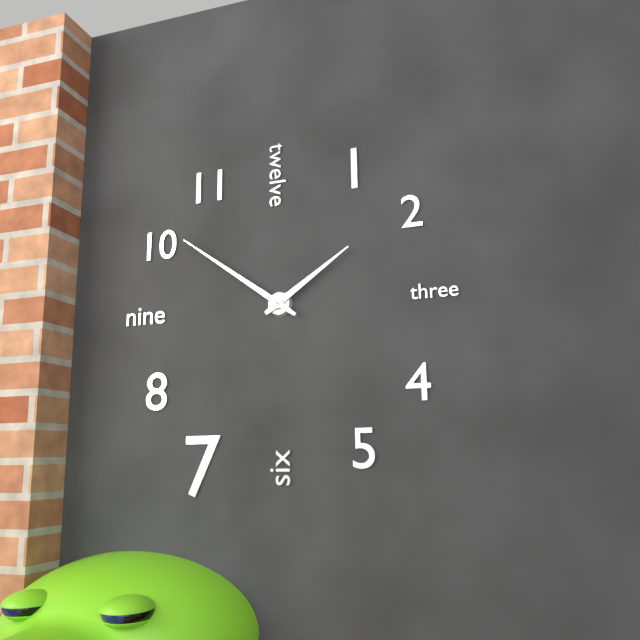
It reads **1:51**
